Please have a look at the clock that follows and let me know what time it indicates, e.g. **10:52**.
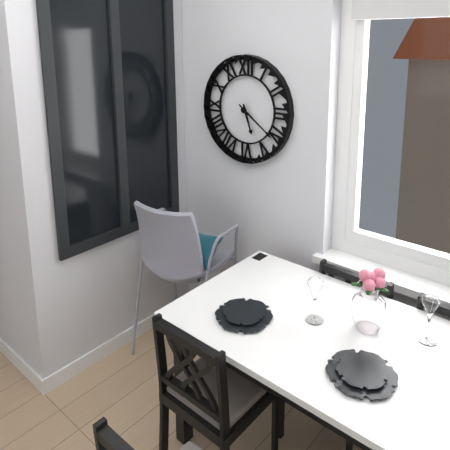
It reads **5:21**
